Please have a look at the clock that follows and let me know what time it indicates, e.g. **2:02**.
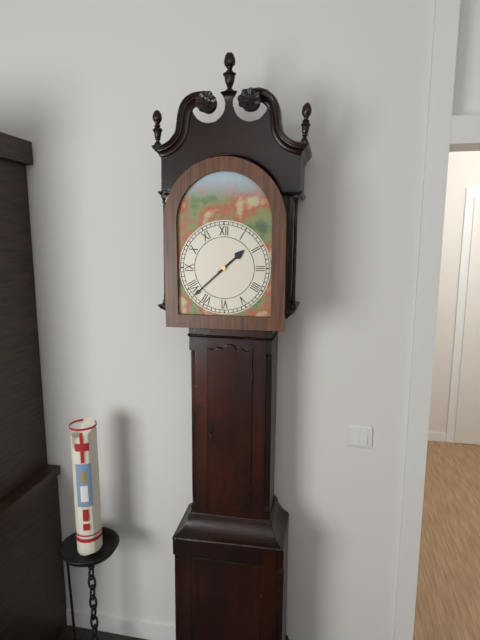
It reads **1:38**
